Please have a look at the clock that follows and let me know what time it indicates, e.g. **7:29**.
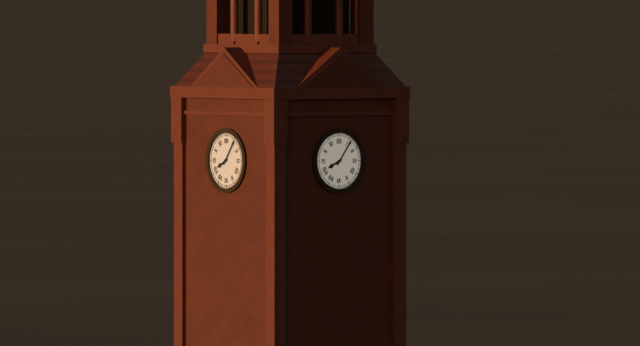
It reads **8:06**
